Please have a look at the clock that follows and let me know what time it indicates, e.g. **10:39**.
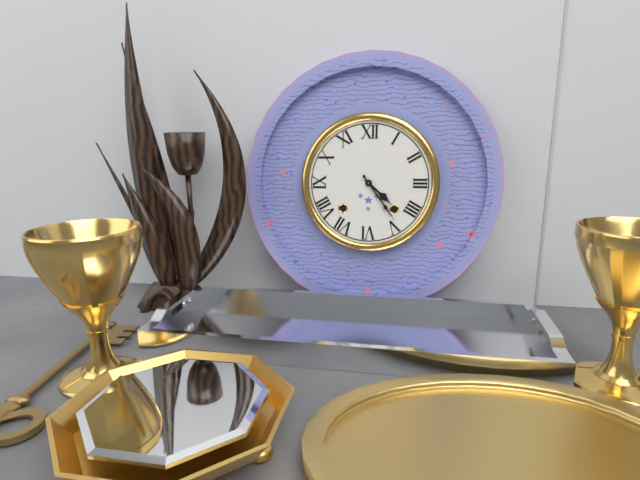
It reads **4:24**
